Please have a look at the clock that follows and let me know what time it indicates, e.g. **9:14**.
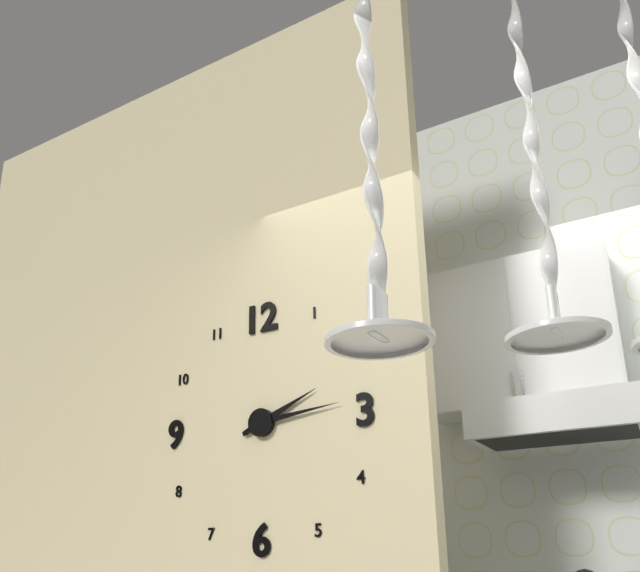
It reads **2:14**
